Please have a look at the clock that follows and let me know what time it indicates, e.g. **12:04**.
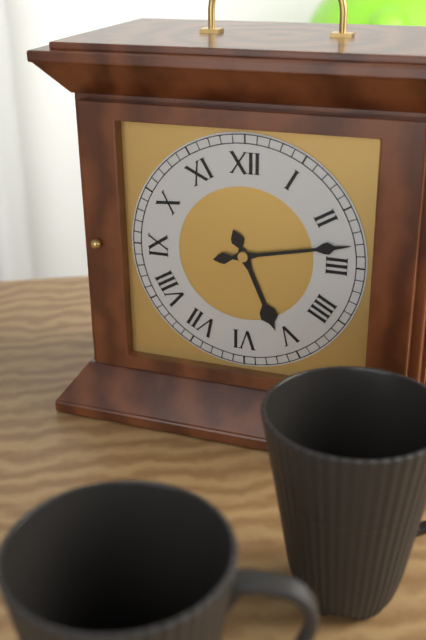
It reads **5:13**
